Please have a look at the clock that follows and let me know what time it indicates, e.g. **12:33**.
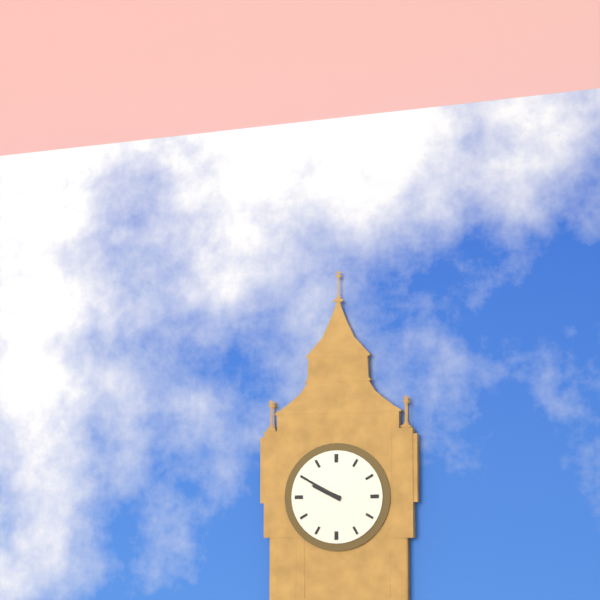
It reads **9:50**
